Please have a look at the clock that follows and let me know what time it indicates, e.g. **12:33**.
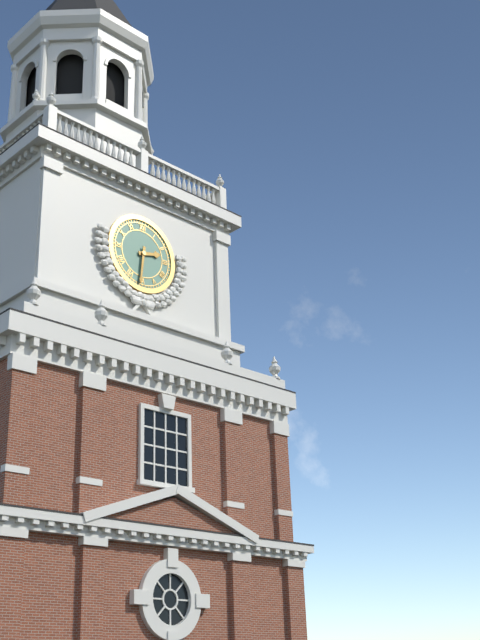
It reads **2:31**
